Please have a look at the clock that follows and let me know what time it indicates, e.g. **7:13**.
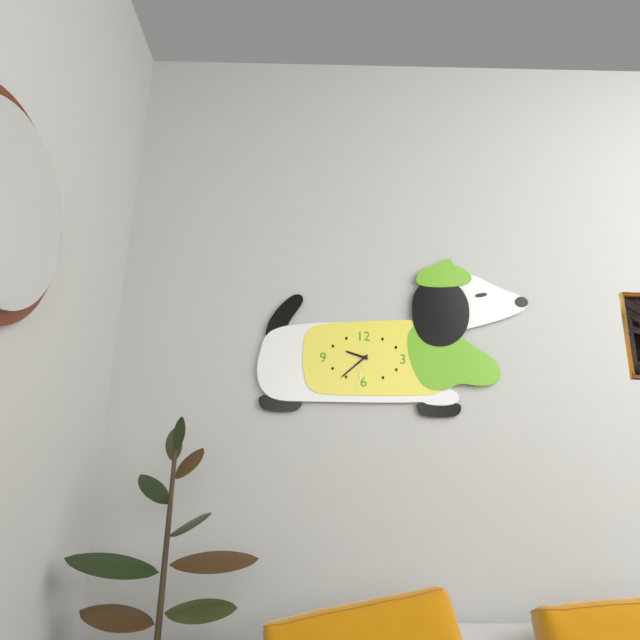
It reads **9:38**
